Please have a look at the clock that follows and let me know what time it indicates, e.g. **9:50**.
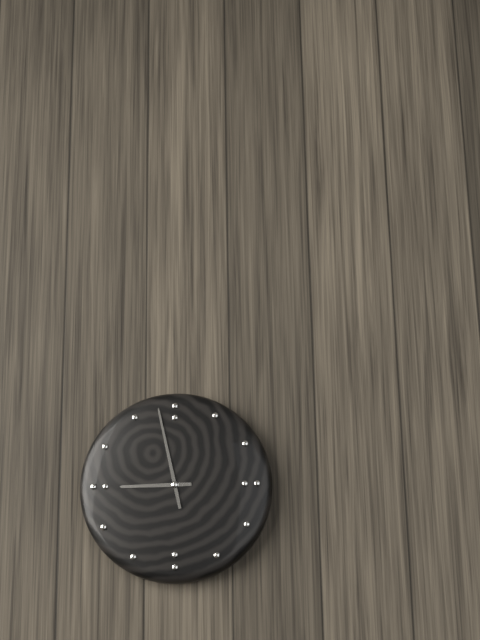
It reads **8:58**
